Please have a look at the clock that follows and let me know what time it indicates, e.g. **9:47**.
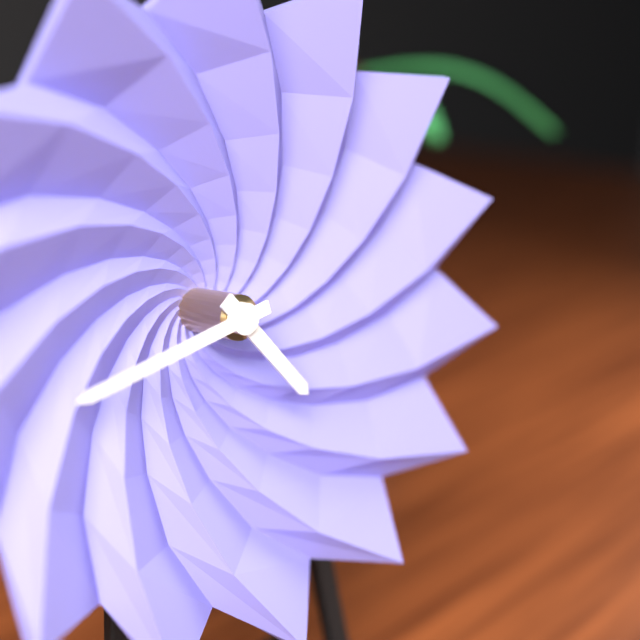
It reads **4:43**
